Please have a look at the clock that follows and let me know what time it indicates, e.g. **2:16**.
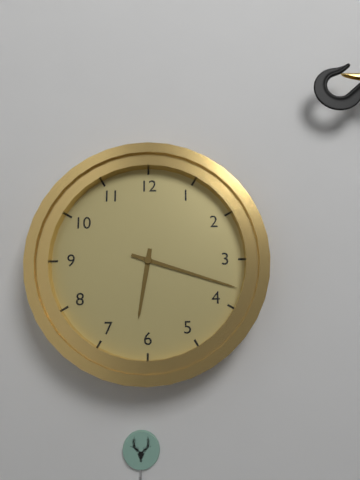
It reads **6:18**
